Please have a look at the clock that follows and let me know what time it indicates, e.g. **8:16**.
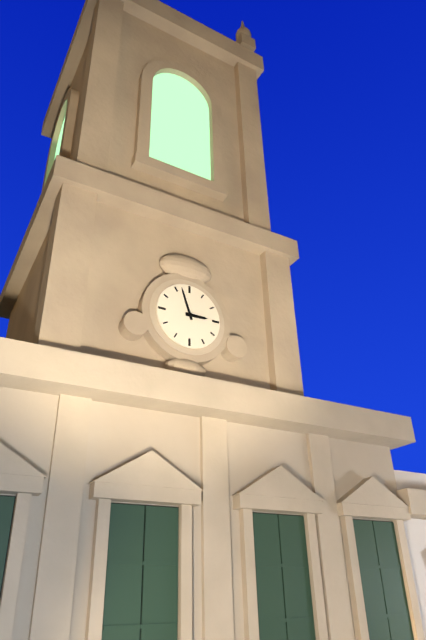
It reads **2:57**
